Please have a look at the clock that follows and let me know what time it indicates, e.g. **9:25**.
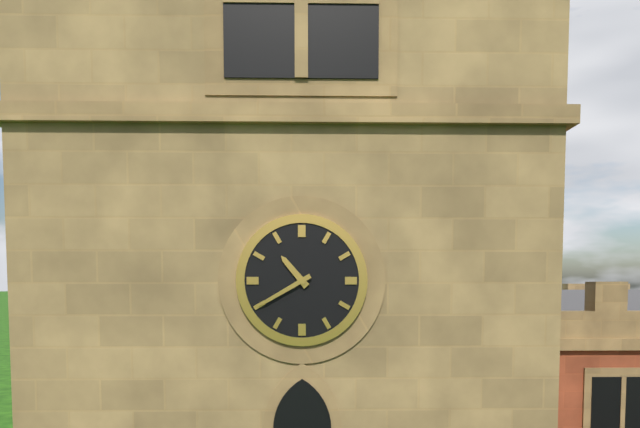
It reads **10:40**
